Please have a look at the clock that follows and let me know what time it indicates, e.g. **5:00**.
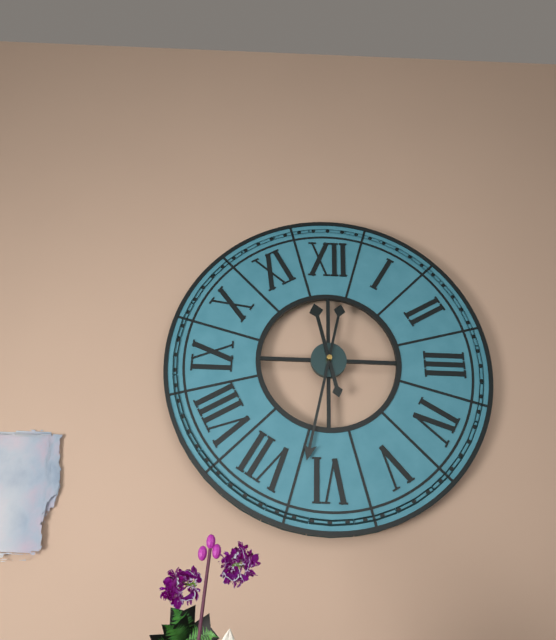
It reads **11:32**
